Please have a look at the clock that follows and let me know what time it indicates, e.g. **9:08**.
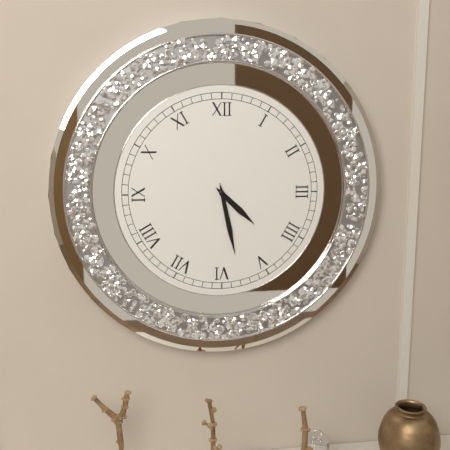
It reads **4:28**
